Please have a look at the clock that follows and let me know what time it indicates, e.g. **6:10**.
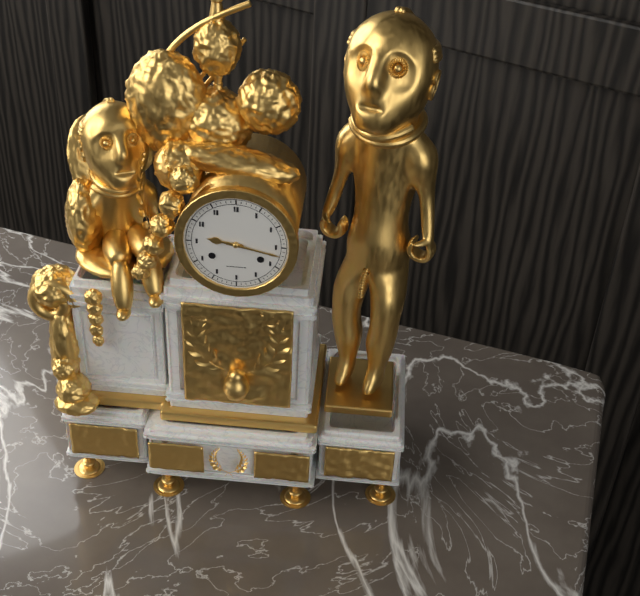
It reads **9:17**
